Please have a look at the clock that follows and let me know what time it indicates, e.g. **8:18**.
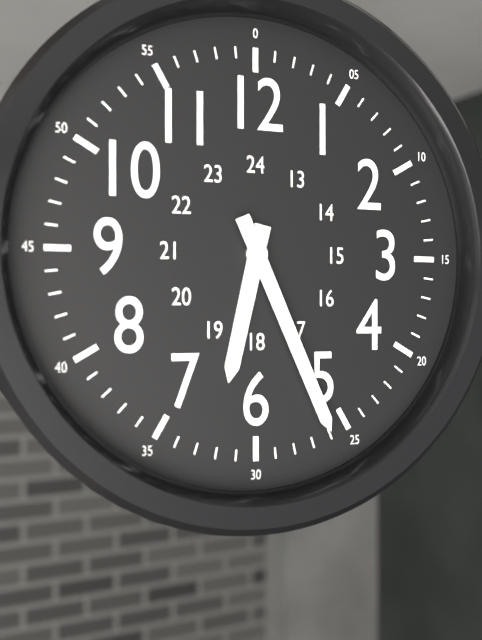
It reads **6:26**
